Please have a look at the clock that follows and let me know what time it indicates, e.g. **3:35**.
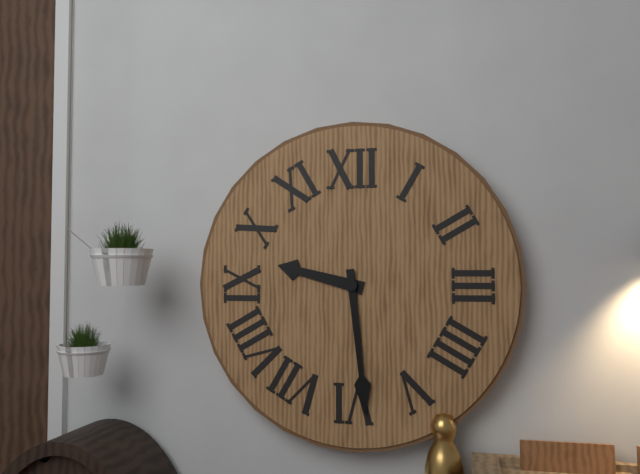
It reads **9:29**
